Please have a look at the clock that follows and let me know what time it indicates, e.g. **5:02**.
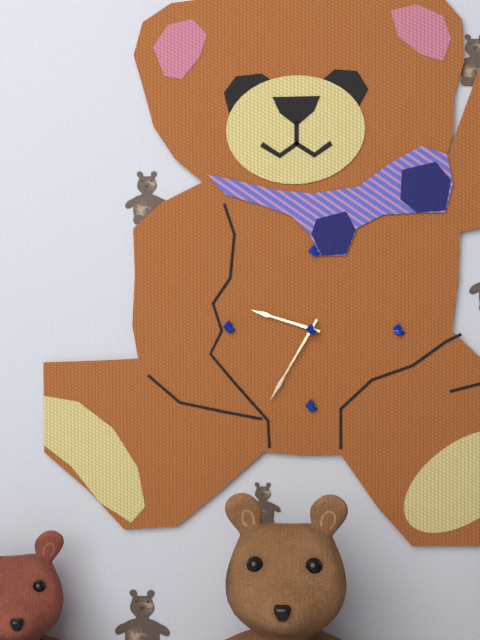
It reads **9:35**
